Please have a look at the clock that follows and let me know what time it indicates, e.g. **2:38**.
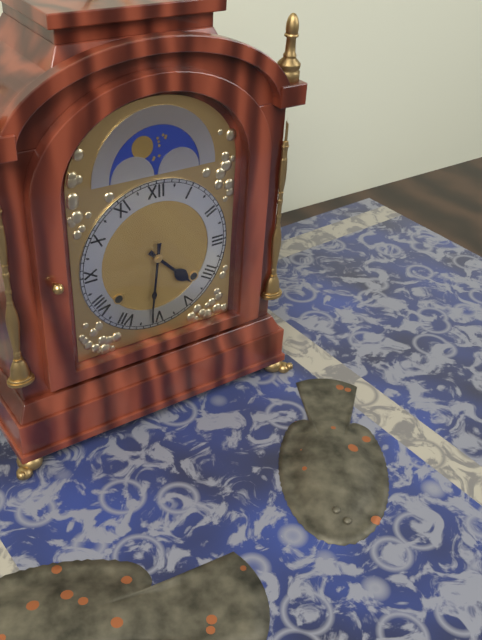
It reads **4:31**
